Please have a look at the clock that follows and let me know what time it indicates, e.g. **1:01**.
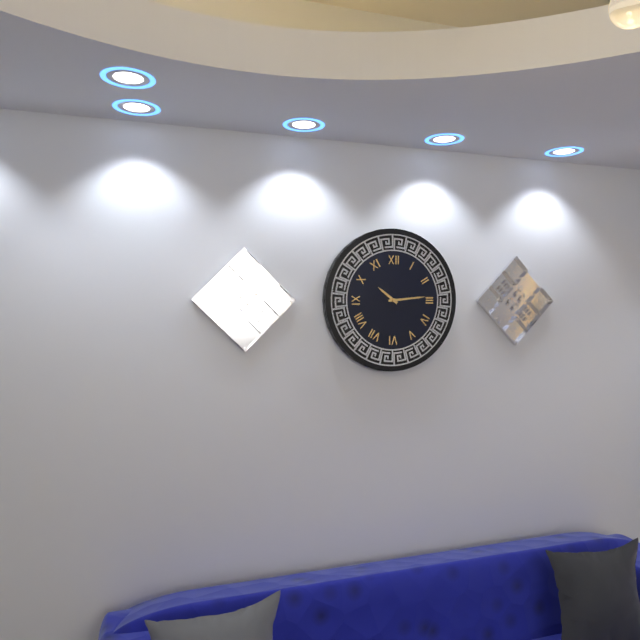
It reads **10:14**
